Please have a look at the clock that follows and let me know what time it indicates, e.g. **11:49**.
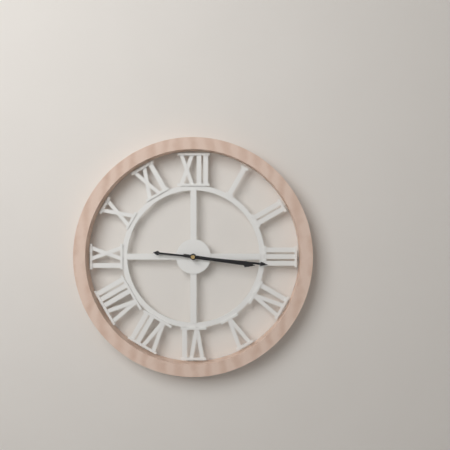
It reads **3:16**
